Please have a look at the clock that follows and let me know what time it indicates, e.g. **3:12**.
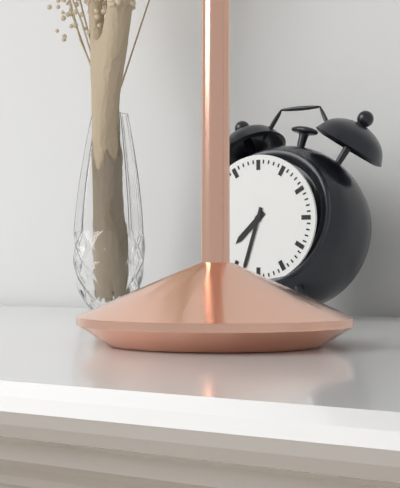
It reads **7:33**
